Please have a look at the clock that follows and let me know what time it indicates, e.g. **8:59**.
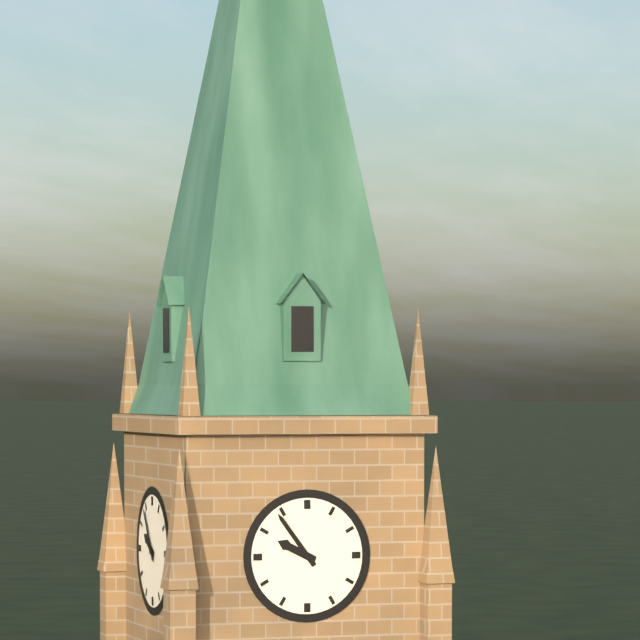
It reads **9:54**
